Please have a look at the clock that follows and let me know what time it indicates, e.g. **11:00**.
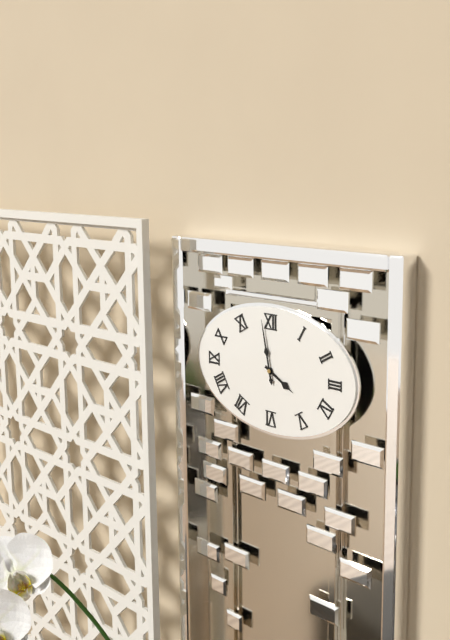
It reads **3:58**
